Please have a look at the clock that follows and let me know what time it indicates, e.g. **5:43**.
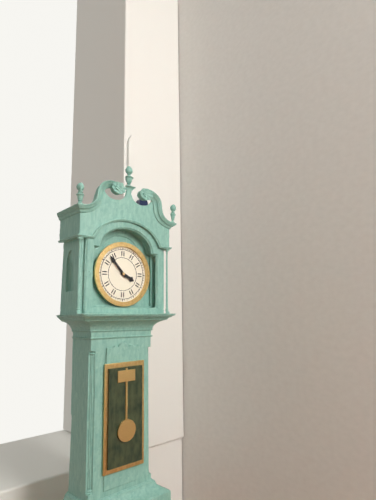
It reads **3:53**
